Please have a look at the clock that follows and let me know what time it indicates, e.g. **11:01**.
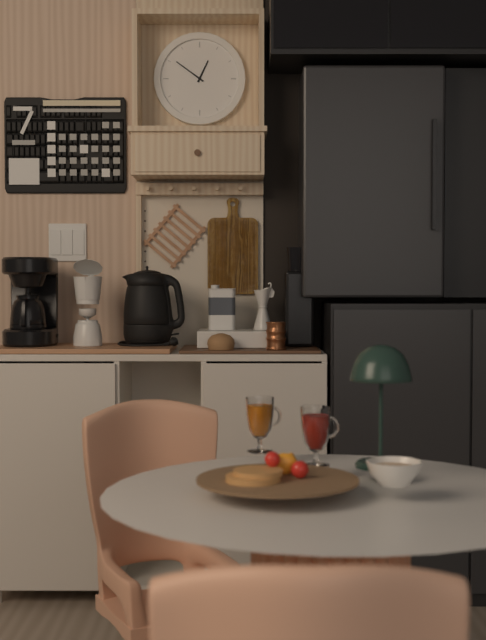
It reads **12:51**
